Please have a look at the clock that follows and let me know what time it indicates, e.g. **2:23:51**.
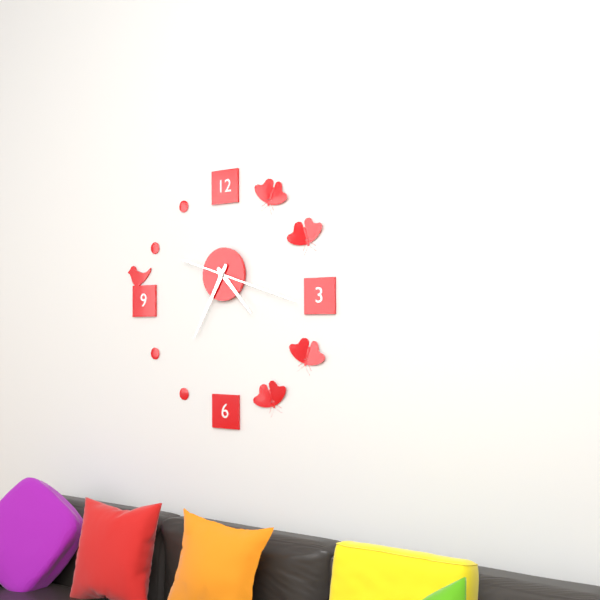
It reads **4:35:18**
